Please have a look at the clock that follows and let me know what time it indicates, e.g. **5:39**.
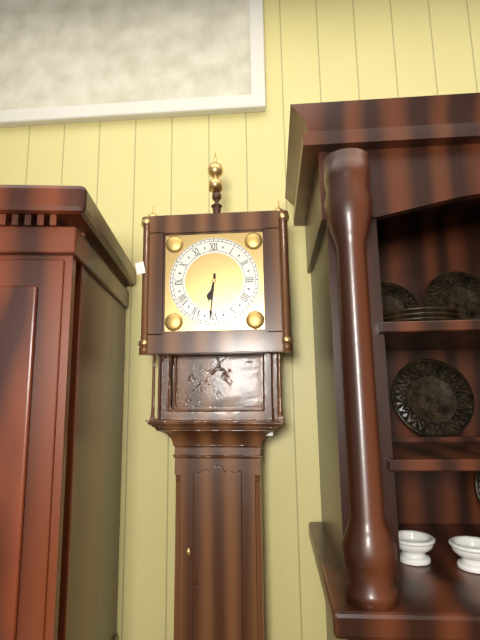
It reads **6:31**
